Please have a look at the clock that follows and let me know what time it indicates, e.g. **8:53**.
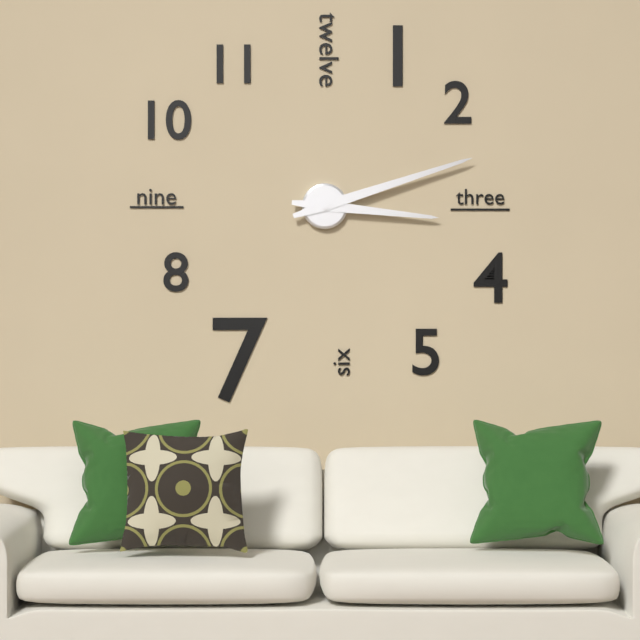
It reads **3:12**
